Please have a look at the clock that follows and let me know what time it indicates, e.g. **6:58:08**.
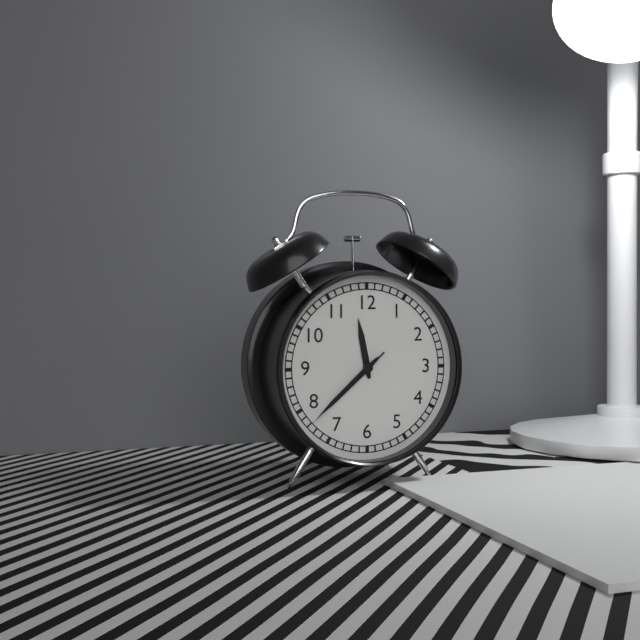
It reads **11:38:38**
